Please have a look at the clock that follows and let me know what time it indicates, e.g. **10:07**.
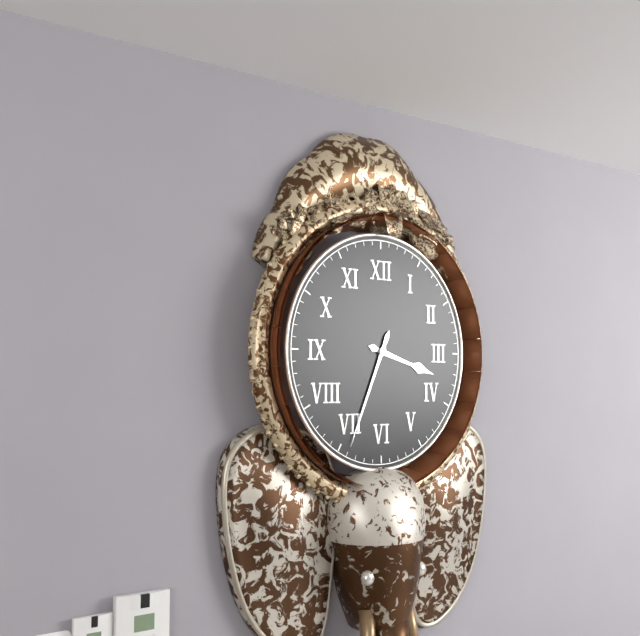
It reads **3:34**
